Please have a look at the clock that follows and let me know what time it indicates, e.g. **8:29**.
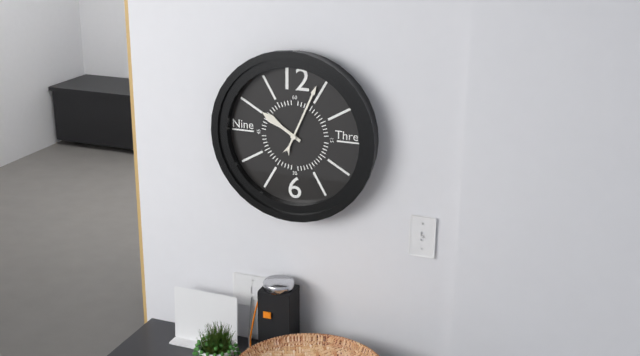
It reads **10:04**
